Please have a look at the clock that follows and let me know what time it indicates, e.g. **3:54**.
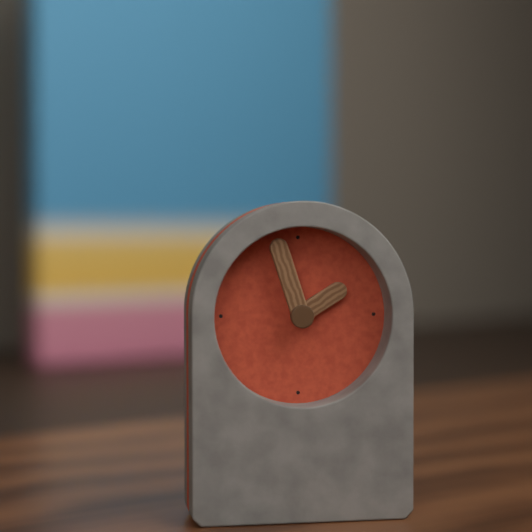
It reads **1:57**
